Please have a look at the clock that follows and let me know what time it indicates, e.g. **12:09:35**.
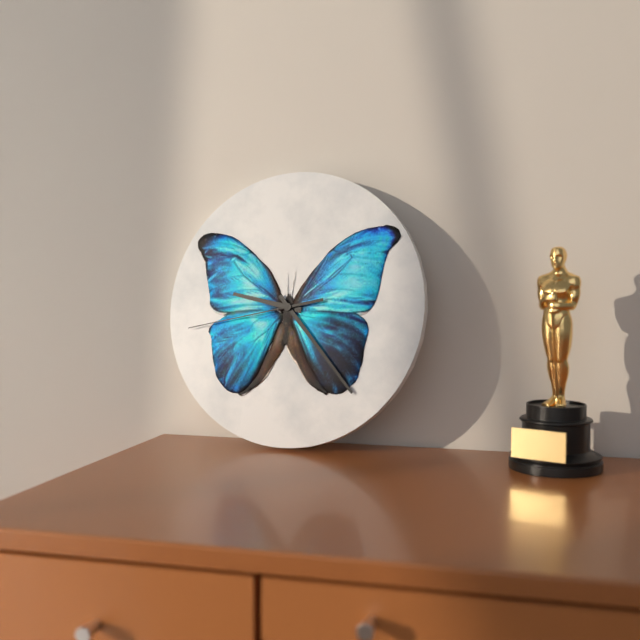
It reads **9:23:43**
